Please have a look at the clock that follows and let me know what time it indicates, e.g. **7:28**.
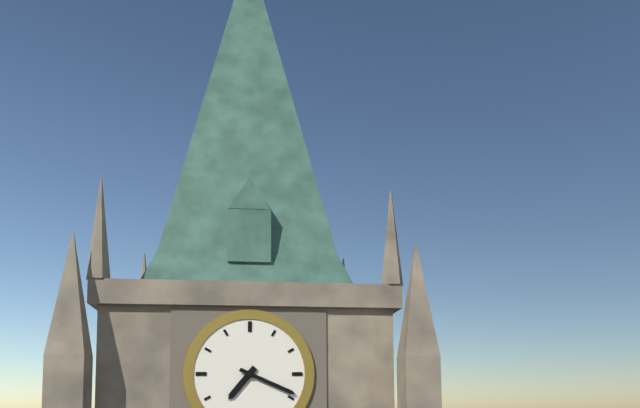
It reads **7:19**
